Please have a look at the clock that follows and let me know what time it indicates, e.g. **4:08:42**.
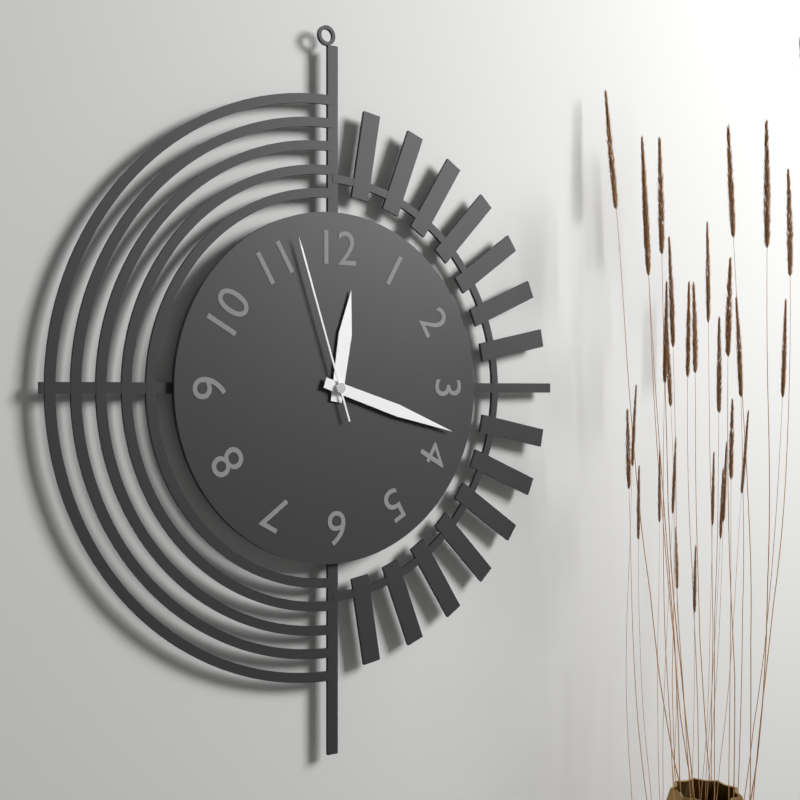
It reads **12:18:57**
